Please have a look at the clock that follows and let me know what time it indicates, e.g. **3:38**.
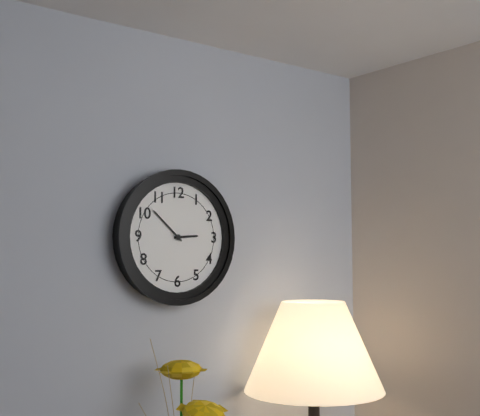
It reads **2:52**
